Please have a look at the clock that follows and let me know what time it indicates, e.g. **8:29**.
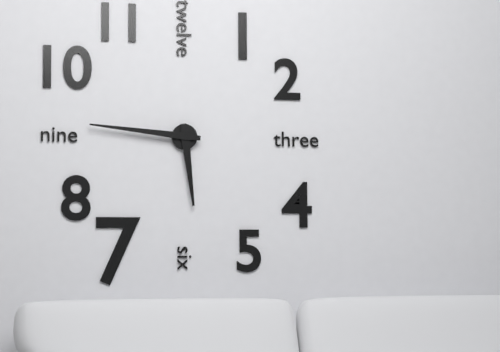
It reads **5:46**
